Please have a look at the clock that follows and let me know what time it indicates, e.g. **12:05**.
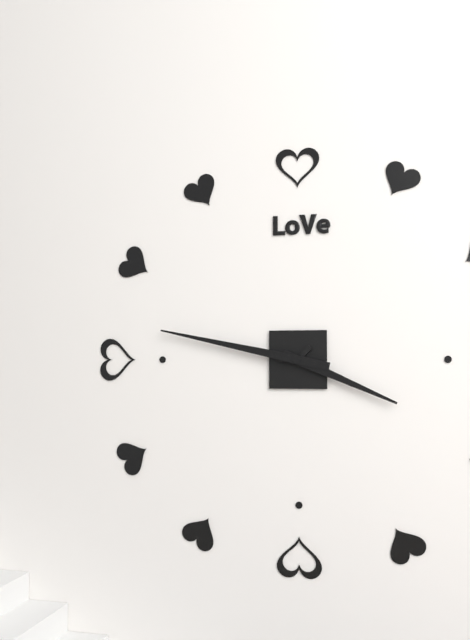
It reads **3:47**
